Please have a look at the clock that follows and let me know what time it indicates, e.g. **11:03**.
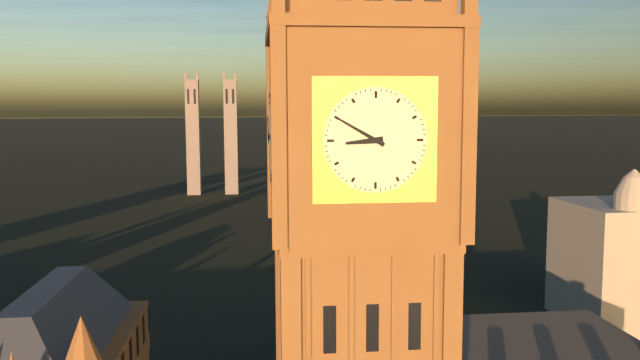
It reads **8:50**
